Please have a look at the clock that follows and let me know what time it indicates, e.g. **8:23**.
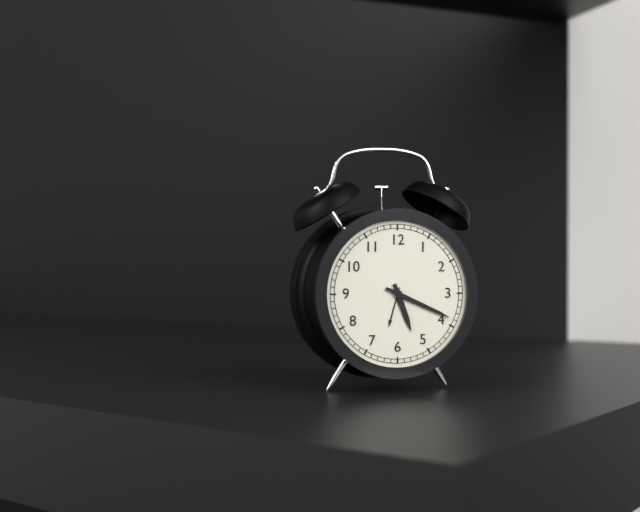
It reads **5:19**
